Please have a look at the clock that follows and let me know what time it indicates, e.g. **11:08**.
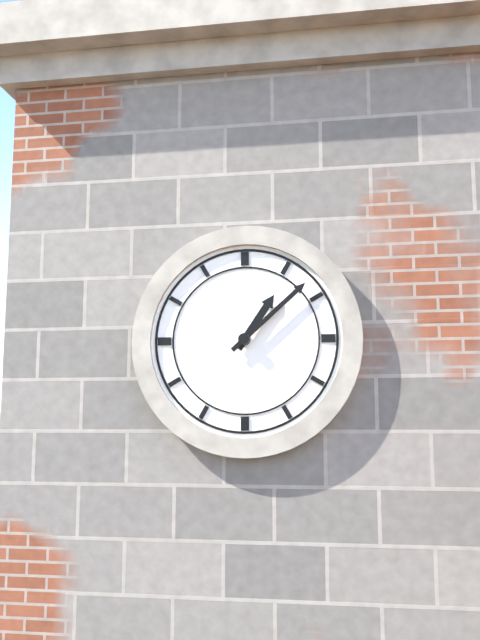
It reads **1:08**
